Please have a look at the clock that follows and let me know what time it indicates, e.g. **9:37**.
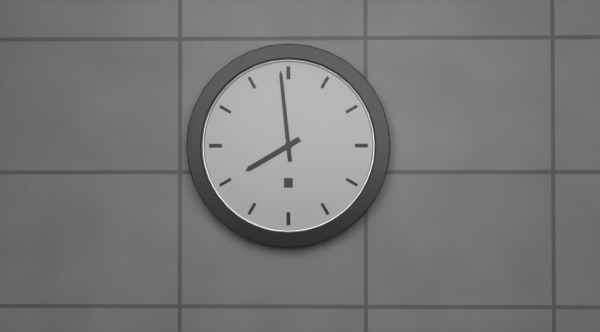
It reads **7:59**
